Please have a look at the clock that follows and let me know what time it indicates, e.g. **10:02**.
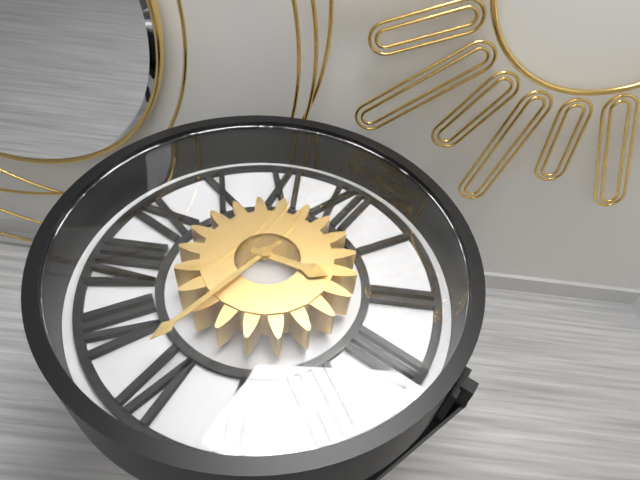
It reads **2:31**
